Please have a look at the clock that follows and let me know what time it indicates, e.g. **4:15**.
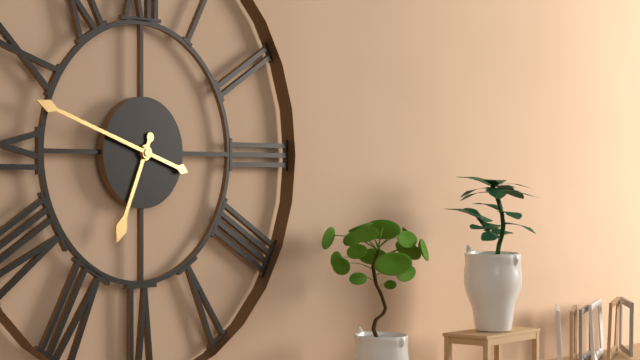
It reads **6:48**
